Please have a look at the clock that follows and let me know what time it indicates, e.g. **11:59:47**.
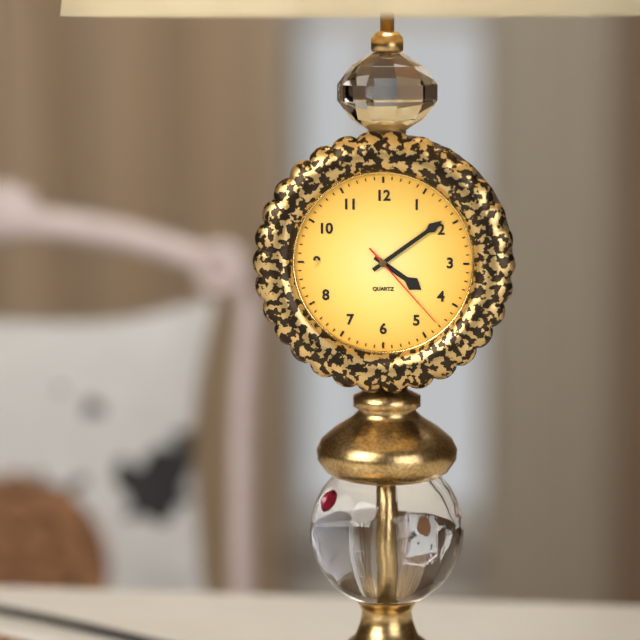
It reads **4:09:23**
